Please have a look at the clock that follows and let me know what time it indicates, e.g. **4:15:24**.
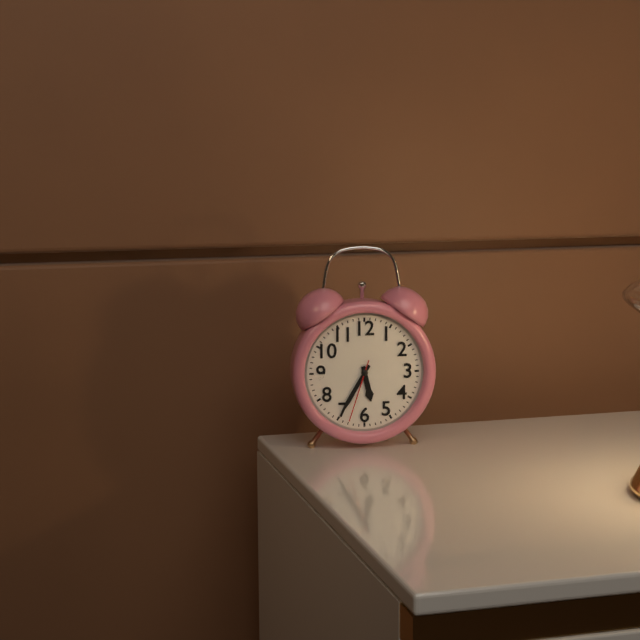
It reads **5:35:33**
